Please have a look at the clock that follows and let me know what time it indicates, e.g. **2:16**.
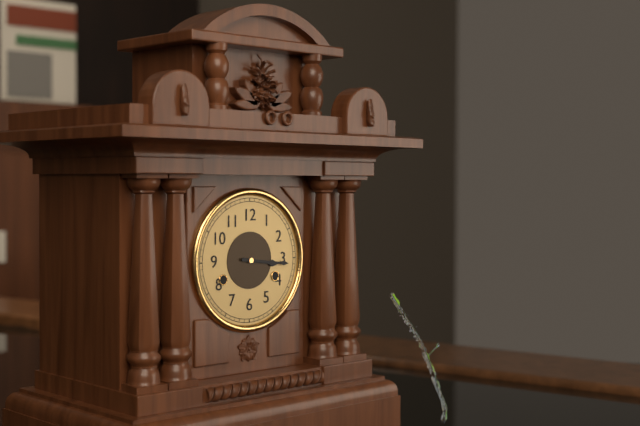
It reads **3:16**
